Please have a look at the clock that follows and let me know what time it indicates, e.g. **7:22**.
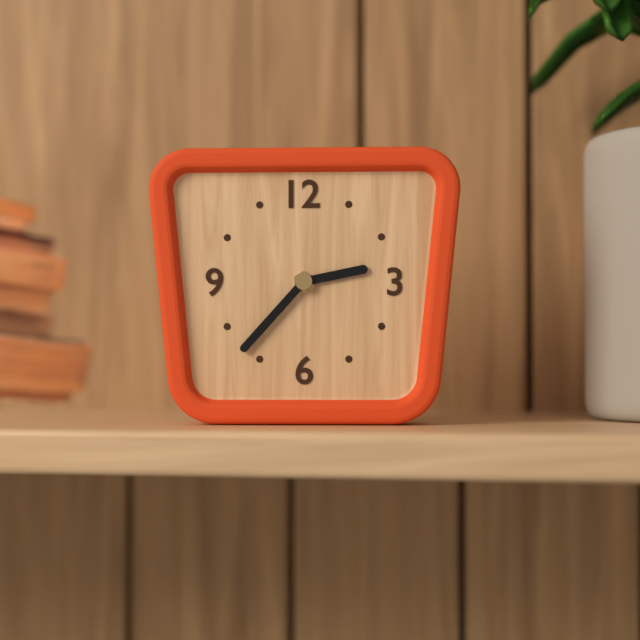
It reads **2:37**
